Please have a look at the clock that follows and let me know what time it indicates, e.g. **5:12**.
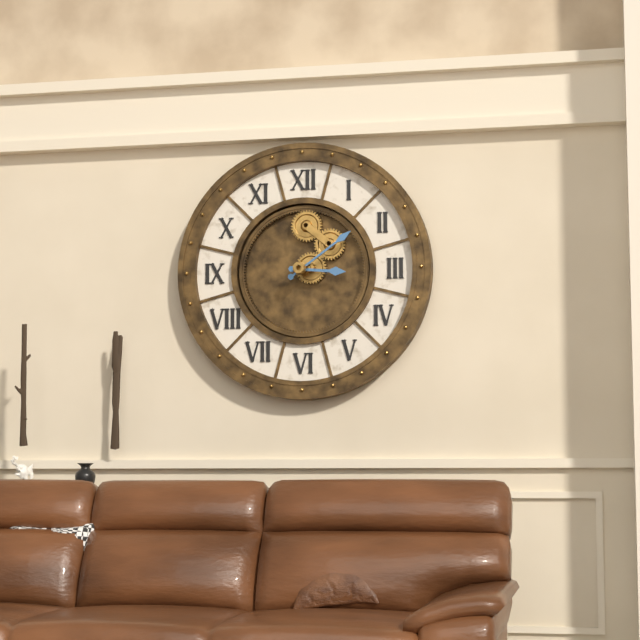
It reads **3:09**
